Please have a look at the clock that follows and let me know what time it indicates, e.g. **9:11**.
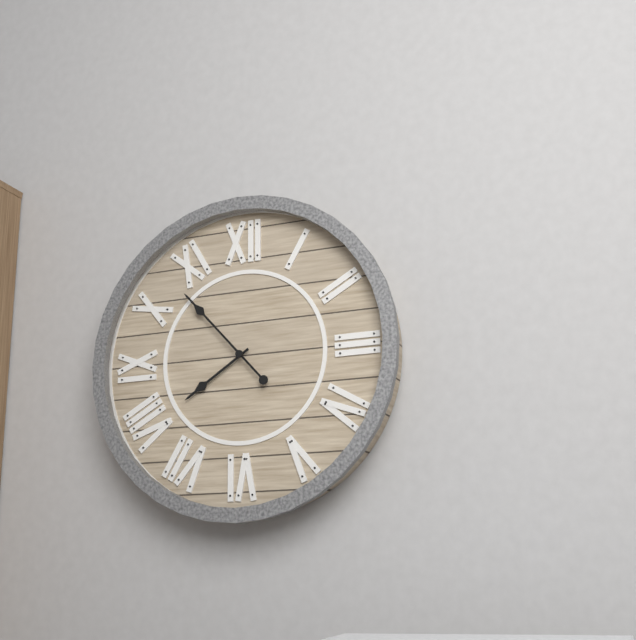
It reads **7:53**
